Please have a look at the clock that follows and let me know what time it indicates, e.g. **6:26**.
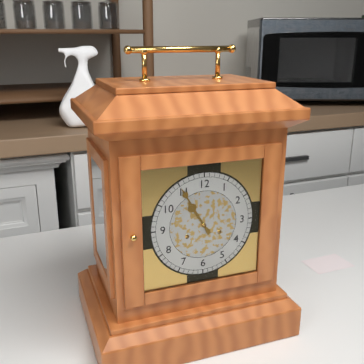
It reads **10:55**
